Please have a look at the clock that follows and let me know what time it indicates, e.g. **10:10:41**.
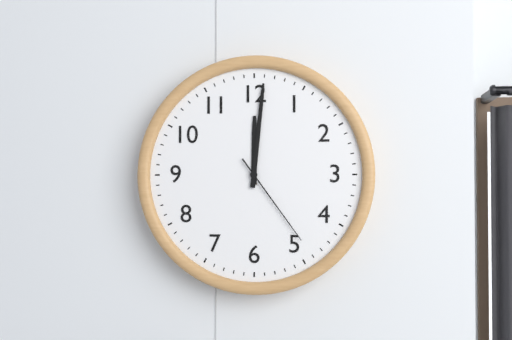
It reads **12:01:24**
